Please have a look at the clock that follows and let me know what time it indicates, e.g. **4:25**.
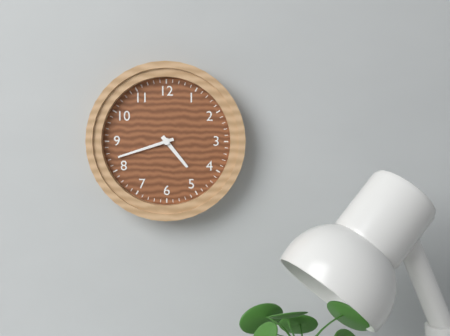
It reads **4:42**
